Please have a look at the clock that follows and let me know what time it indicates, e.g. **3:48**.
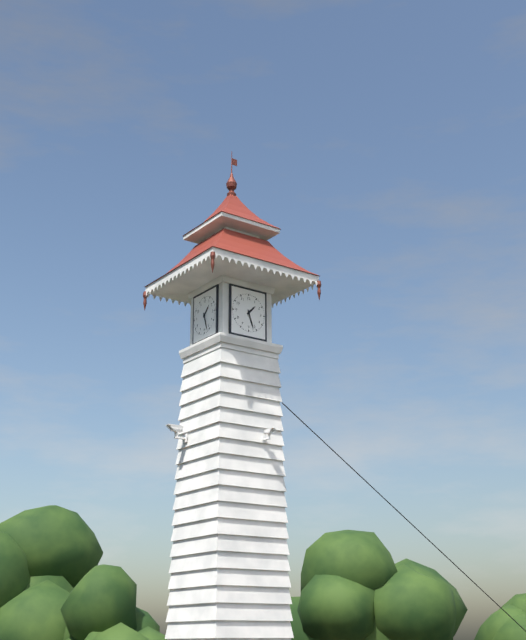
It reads **1:27**
